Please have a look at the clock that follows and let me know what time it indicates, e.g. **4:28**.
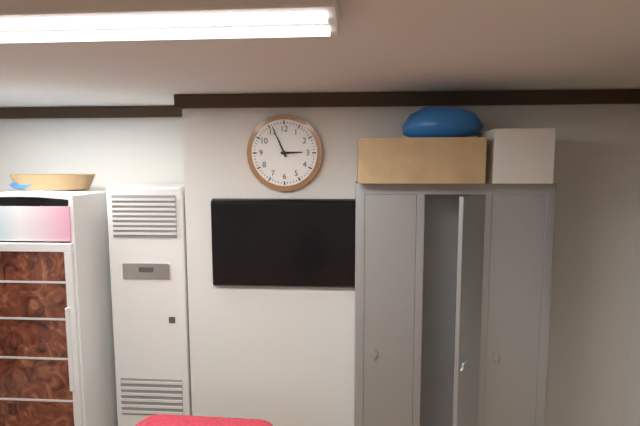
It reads **2:56**
